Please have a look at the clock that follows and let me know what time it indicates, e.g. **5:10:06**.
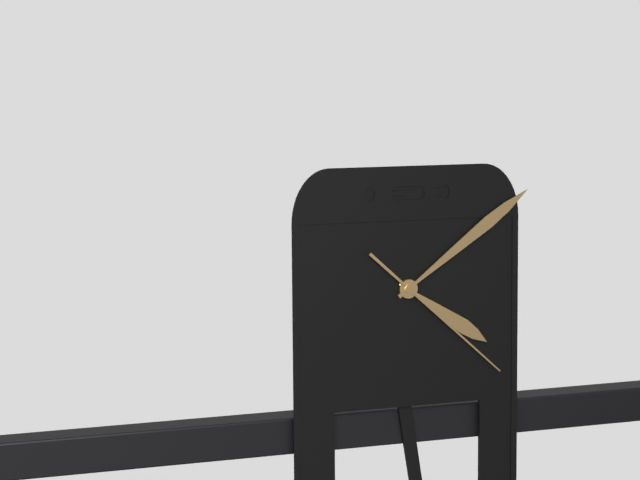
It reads **4:09:22**
